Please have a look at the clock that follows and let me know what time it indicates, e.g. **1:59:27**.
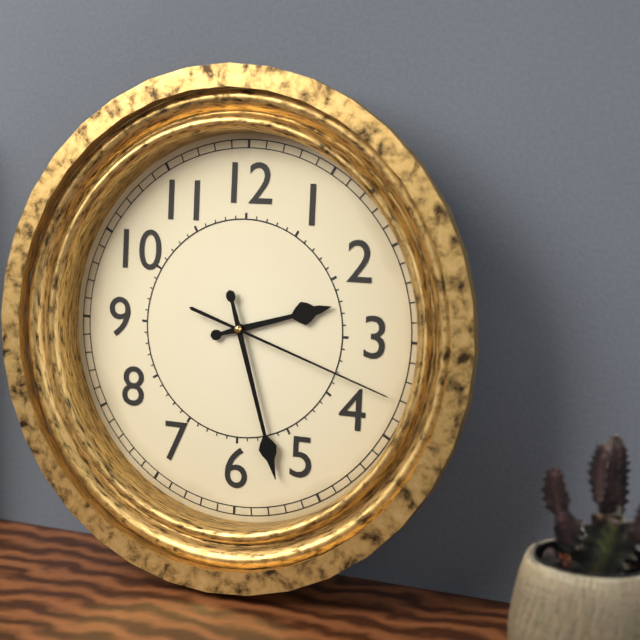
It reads **2:27:18**
